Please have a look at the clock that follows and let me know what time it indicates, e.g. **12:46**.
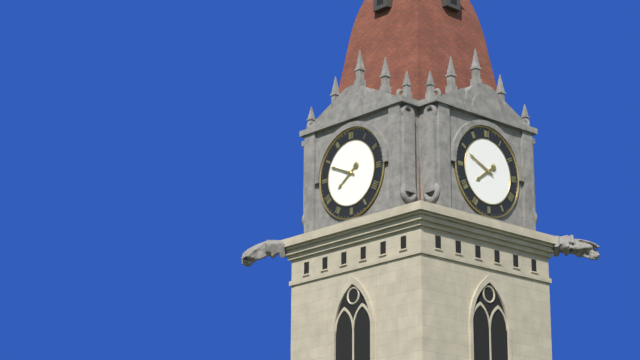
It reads **7:49**
